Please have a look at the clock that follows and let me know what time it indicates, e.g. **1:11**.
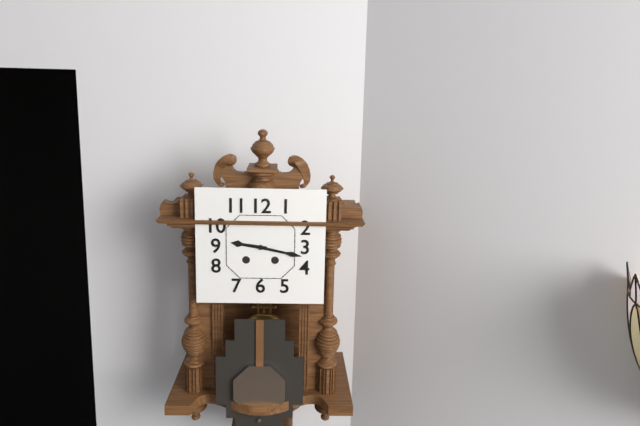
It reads **9:17**
